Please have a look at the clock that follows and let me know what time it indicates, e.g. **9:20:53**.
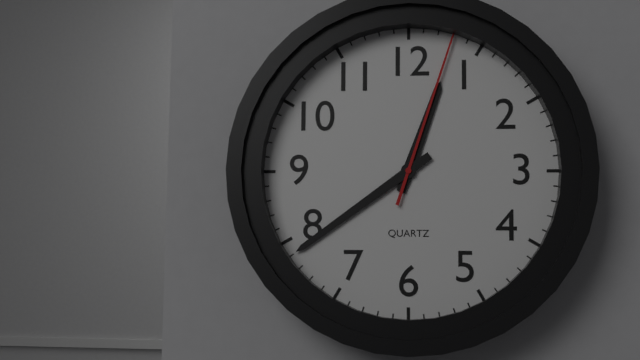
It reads **12:39:03**
